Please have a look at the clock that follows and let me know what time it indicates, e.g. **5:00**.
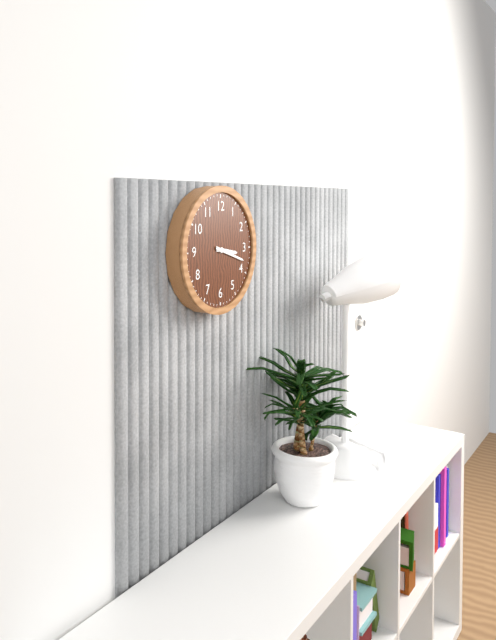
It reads **3:18**
